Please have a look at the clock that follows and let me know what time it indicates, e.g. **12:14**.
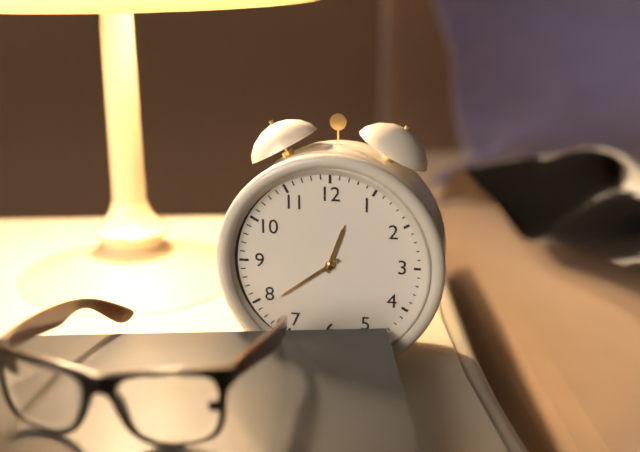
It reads **12:39**
